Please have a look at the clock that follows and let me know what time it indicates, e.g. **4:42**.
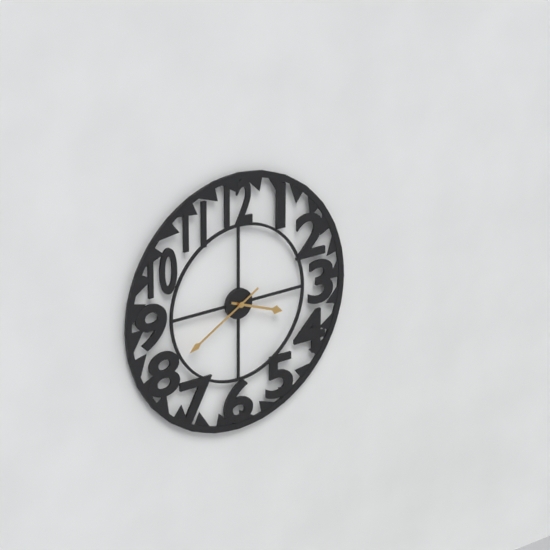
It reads **3:40**
